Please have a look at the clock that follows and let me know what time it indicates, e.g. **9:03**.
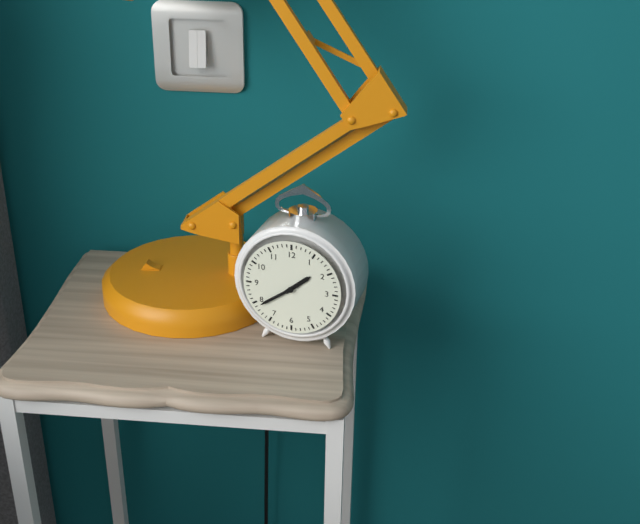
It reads **1:39**
